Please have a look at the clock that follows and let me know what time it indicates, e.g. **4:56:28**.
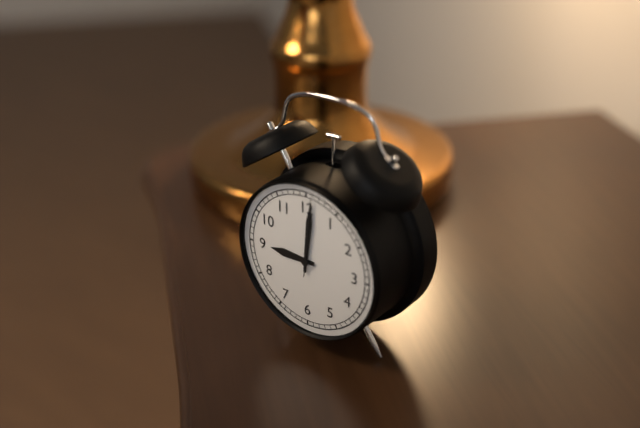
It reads **9:01:01**
